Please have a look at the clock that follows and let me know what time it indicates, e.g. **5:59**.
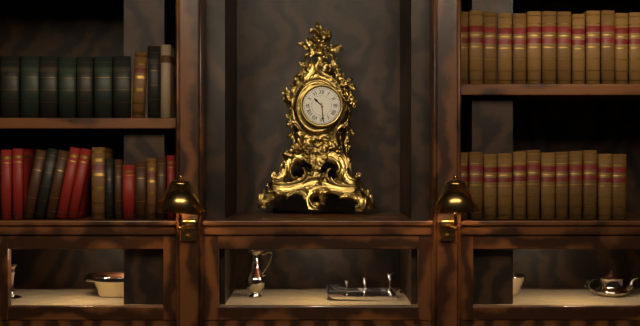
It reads **10:29**
